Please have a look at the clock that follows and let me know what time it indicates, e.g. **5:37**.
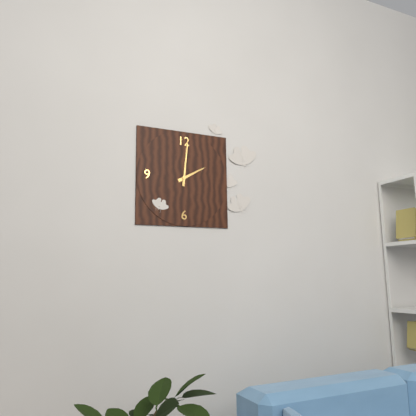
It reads **2:01**
